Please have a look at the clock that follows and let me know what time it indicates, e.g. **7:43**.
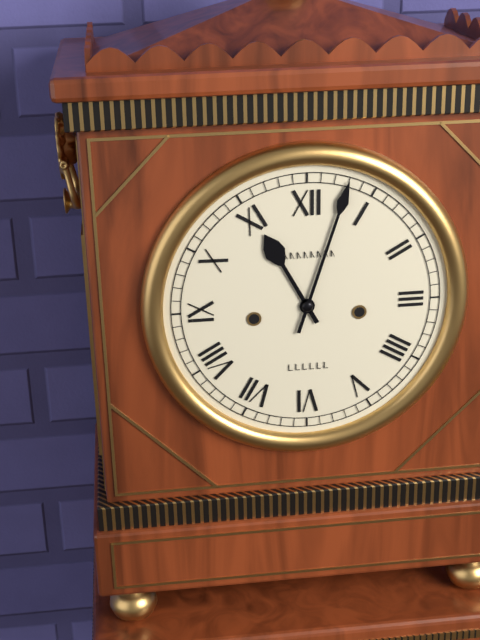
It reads **11:03**
